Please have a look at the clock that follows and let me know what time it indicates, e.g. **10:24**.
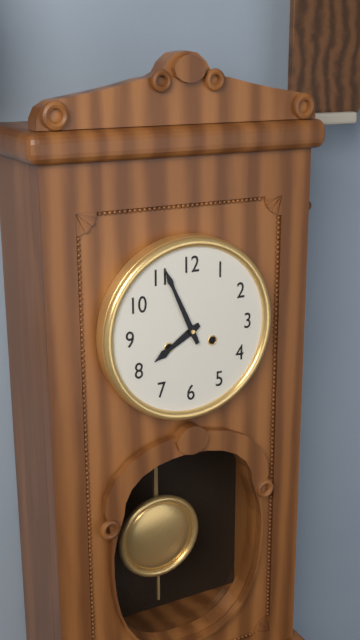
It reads **7:56**
